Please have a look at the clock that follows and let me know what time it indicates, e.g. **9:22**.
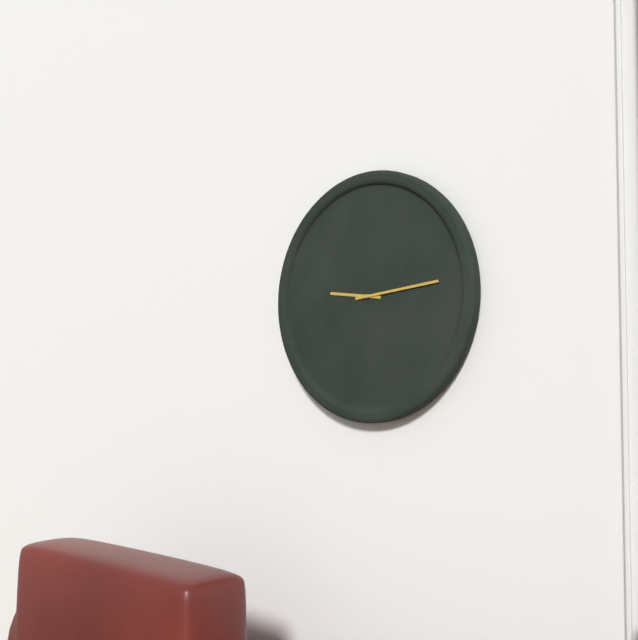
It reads **9:14**
